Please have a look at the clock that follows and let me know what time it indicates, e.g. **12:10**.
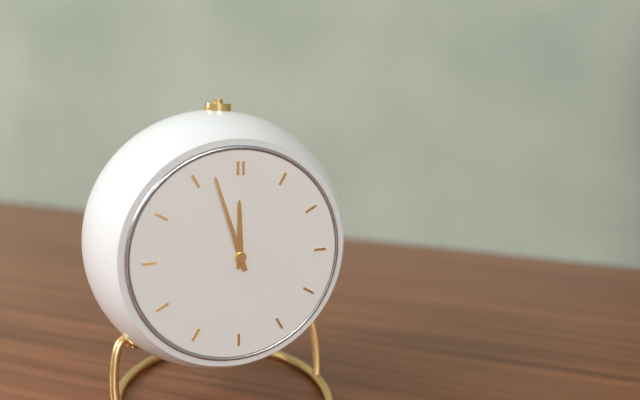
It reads **11:57**
